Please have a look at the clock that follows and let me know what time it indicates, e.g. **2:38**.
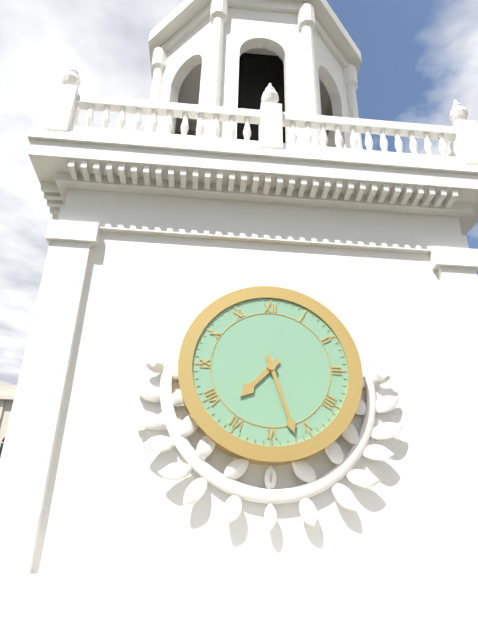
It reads **7:27**
